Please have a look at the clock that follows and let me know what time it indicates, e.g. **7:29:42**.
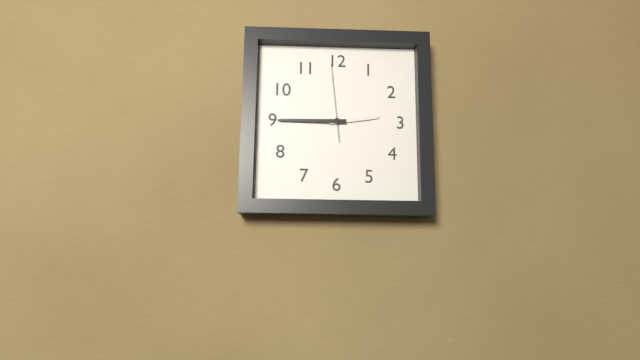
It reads **2:45:59**
